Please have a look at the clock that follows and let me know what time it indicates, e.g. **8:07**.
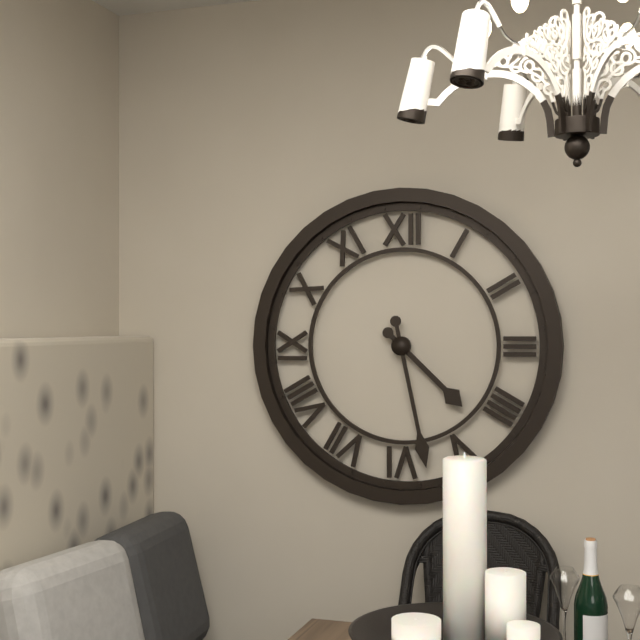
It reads **4:28**
